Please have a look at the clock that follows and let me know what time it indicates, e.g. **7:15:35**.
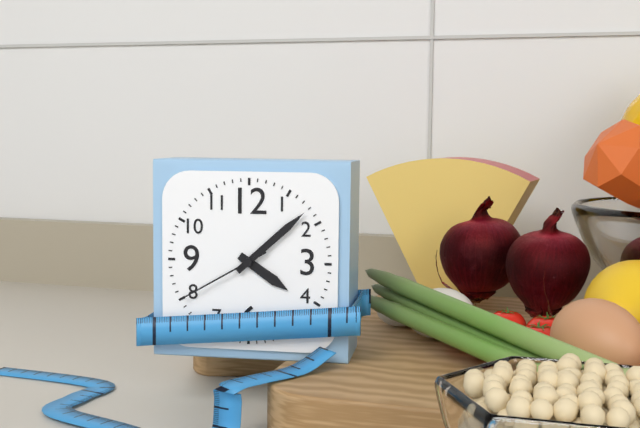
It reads **4:08:40**
